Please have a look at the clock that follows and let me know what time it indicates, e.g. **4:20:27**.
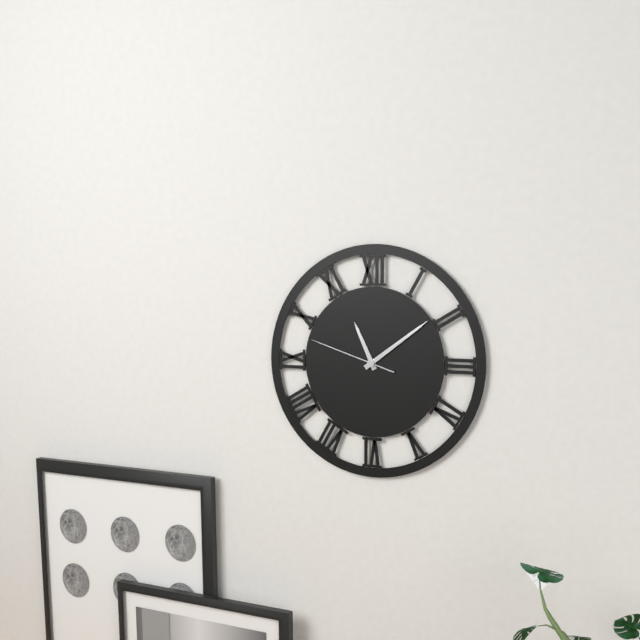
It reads **11:09:48**
